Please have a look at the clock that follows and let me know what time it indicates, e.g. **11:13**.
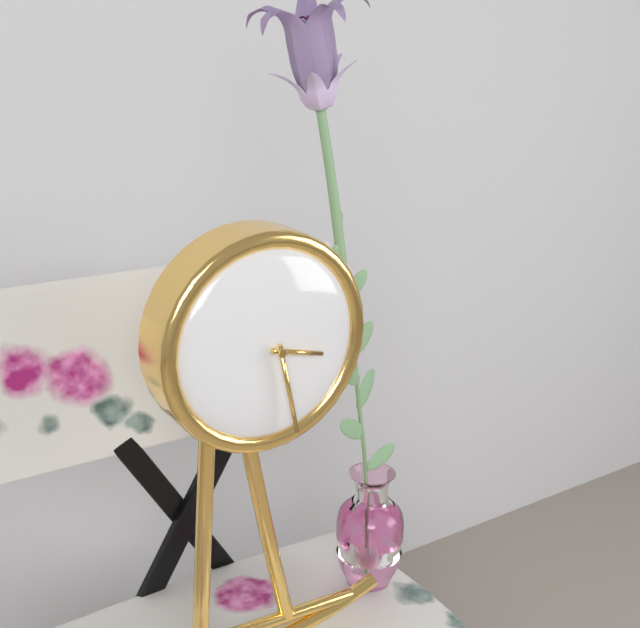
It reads **3:28**
